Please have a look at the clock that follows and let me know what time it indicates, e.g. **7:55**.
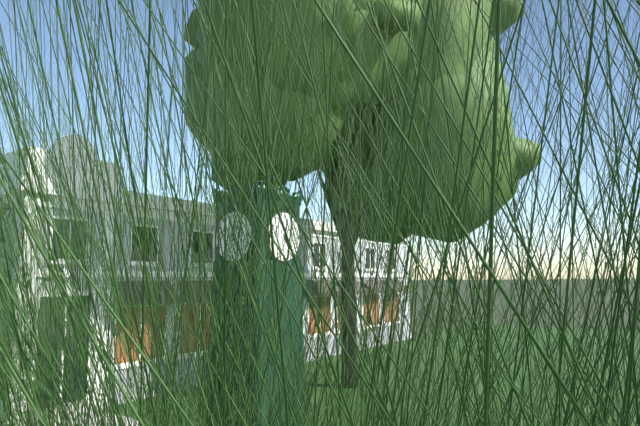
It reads **5:02**
